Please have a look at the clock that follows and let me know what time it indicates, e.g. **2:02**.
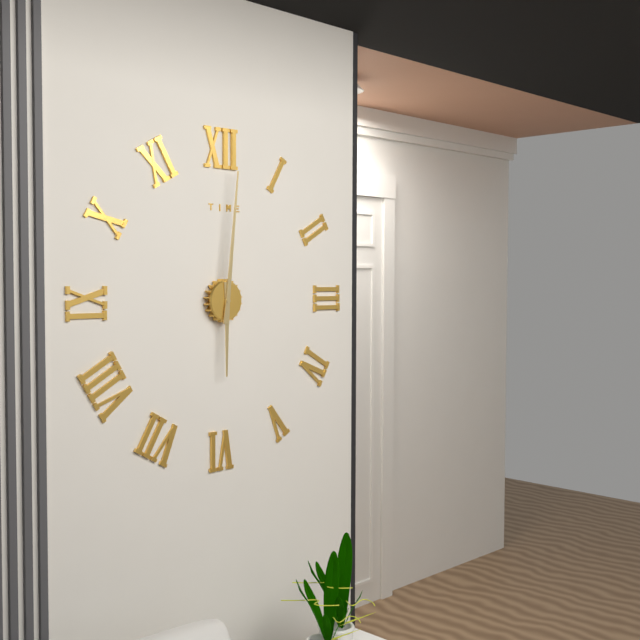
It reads **6:01**
